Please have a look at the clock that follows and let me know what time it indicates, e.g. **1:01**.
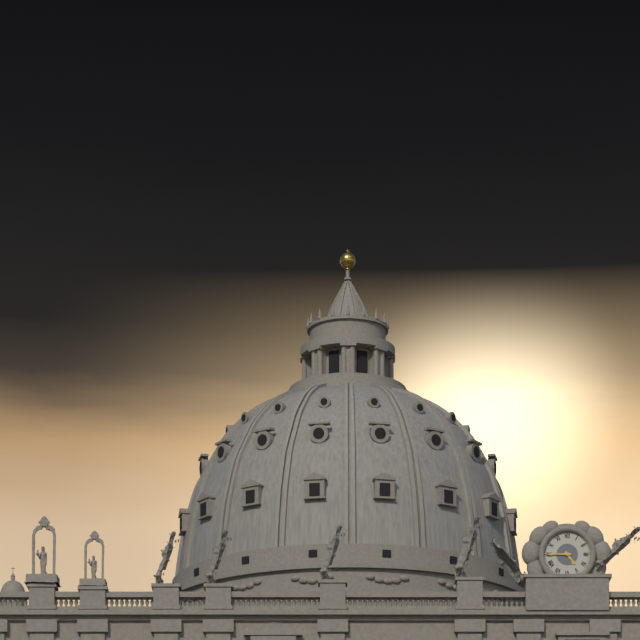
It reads **4:45**
